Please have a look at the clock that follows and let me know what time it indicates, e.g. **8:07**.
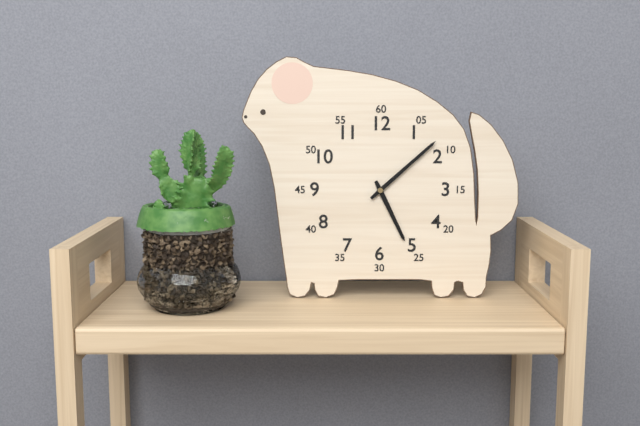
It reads **5:08**
